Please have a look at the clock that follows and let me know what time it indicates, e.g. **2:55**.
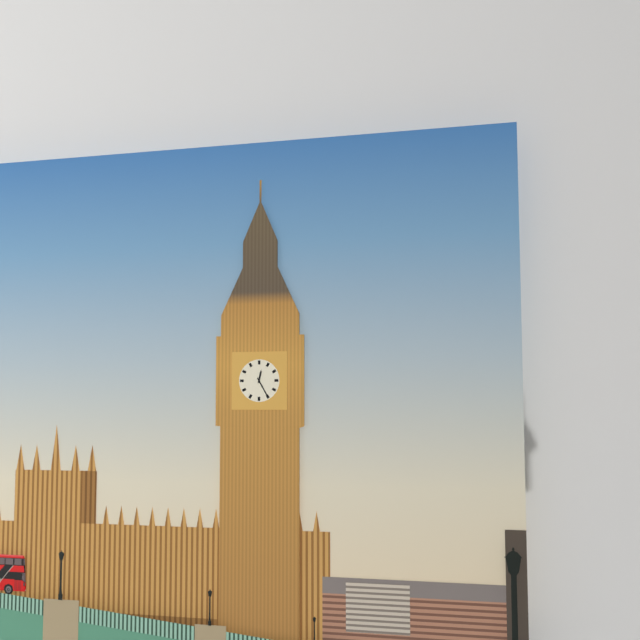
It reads **12:25**
